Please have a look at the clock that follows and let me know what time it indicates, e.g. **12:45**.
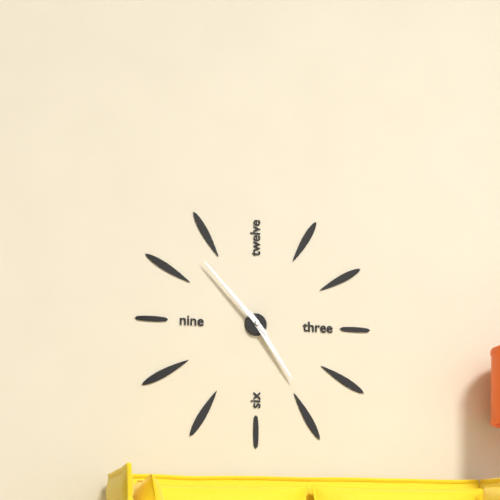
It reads **4:53**
